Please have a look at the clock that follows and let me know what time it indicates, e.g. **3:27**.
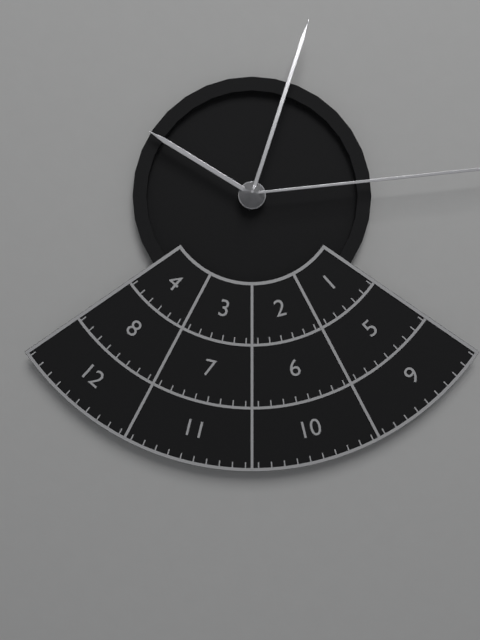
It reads **10:03**
